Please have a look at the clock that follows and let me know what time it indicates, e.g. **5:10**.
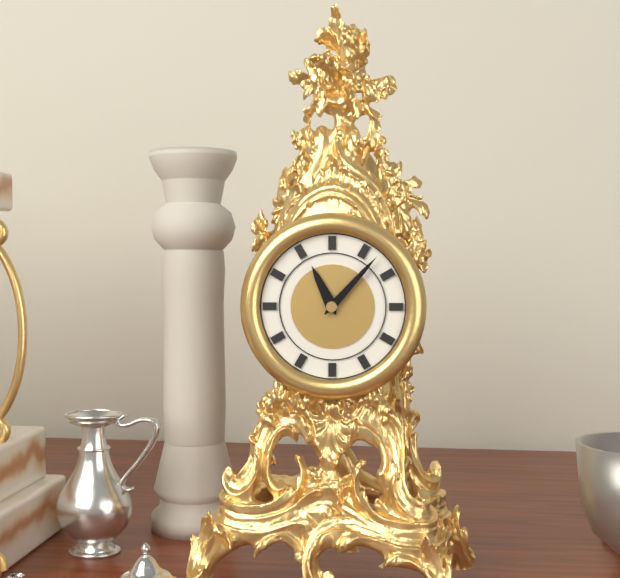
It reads **11:07**
